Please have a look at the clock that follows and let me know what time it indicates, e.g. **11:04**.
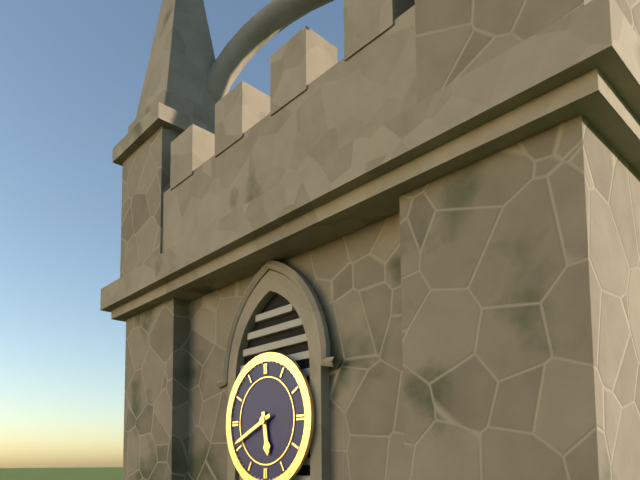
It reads **5:41**
